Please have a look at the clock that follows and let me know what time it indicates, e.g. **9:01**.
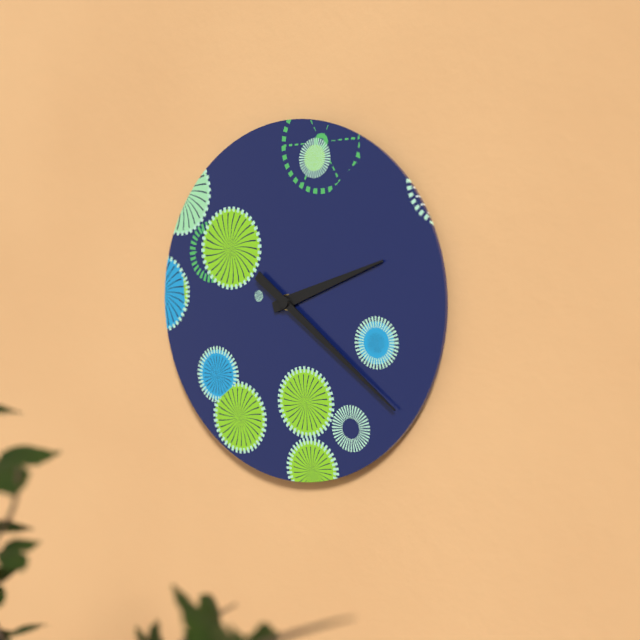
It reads **2:21**
